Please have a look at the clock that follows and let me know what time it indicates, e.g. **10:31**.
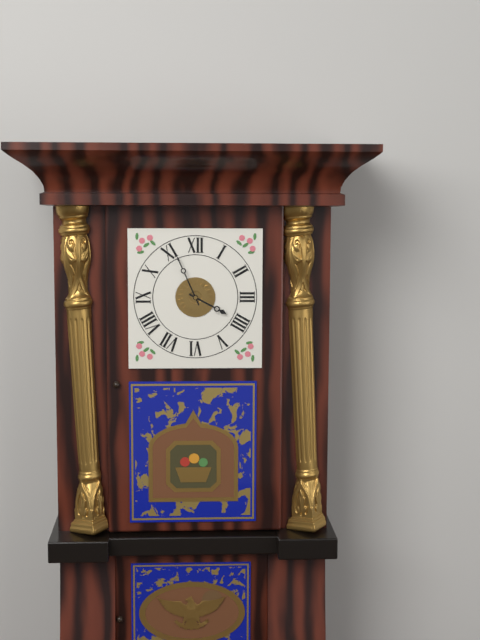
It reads **3:56**
